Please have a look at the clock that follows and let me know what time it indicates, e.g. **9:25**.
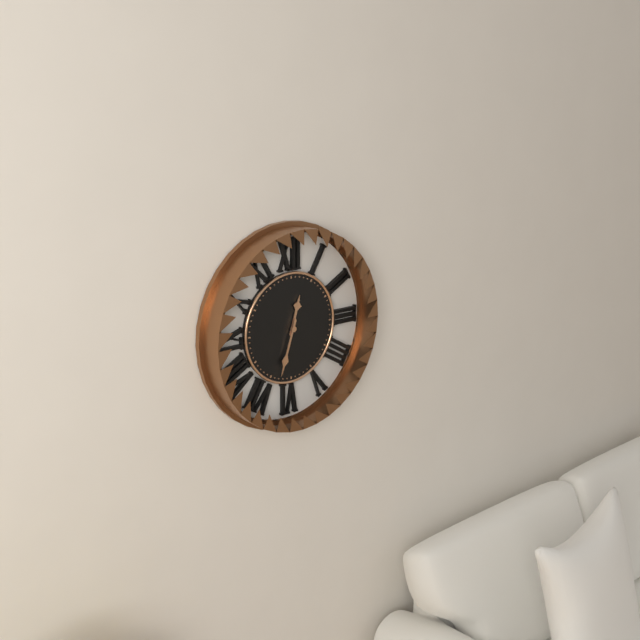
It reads **12:33**
